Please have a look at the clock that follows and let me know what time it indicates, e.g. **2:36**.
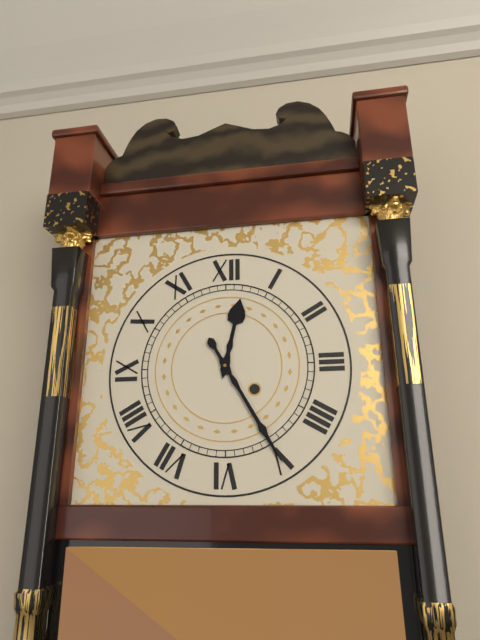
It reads **12:25**
